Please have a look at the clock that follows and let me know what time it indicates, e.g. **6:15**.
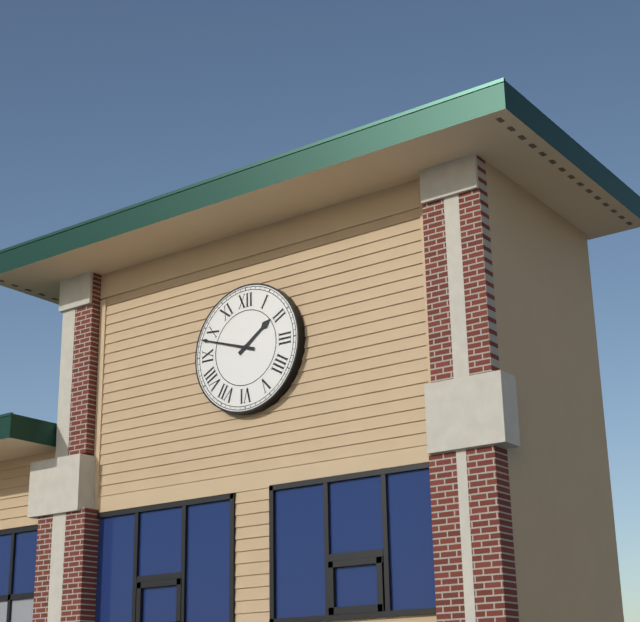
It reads **1:48**
